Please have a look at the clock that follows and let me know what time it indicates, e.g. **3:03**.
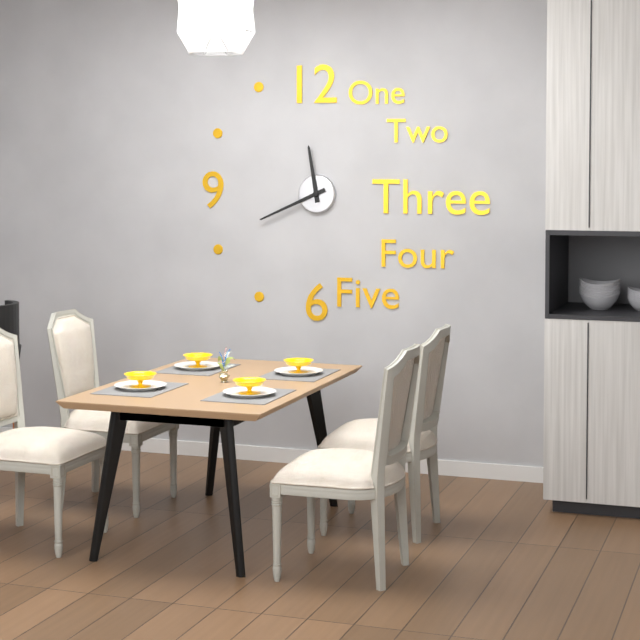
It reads **11:41**
